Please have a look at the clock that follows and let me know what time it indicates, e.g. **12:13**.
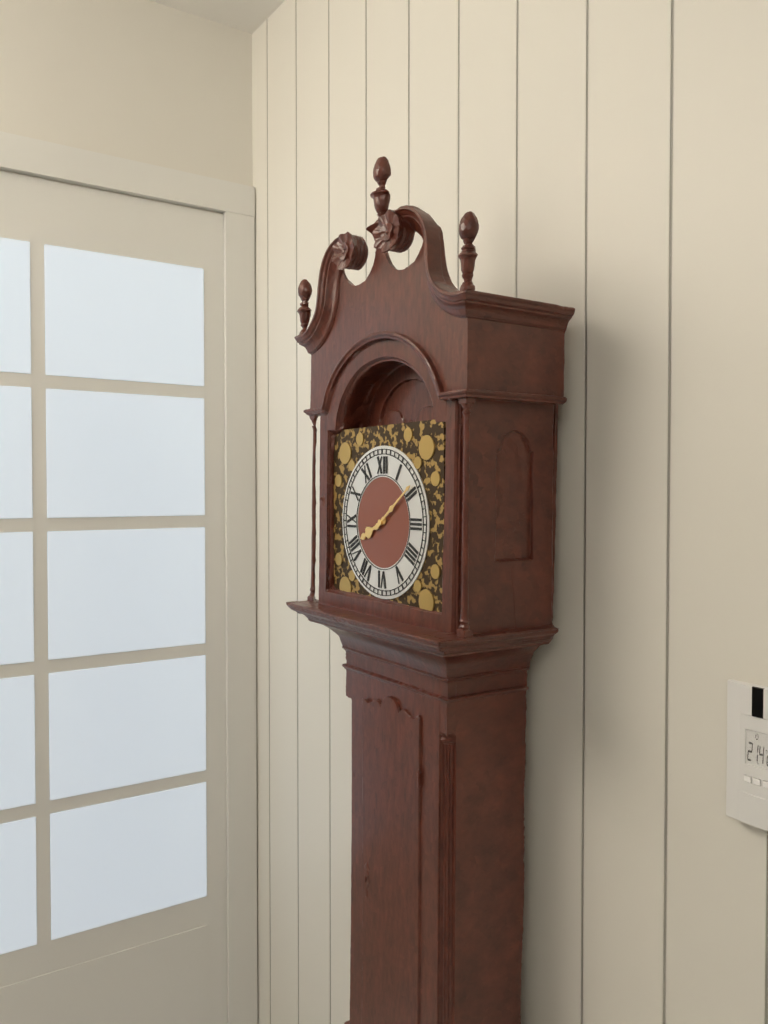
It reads **8:09**
